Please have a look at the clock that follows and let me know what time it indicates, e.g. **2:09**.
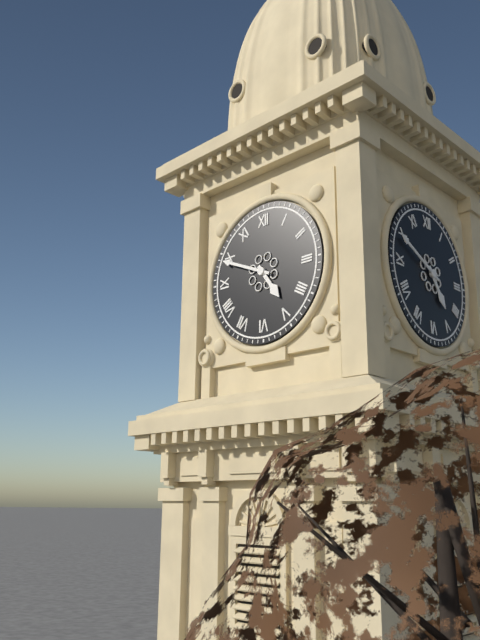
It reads **4:49**
